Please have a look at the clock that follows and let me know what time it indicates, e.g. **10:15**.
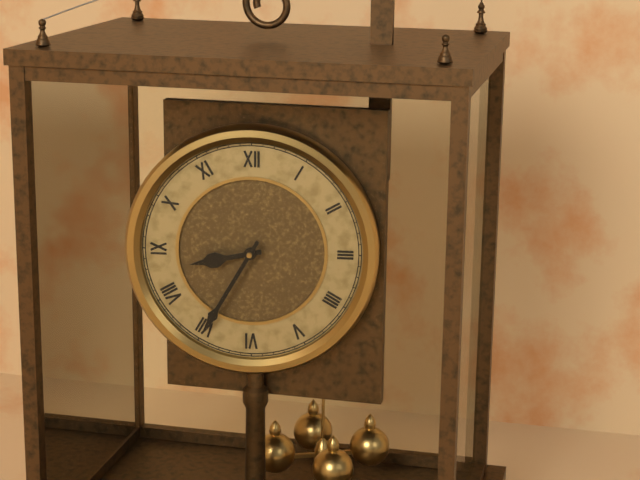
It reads **8:35**
